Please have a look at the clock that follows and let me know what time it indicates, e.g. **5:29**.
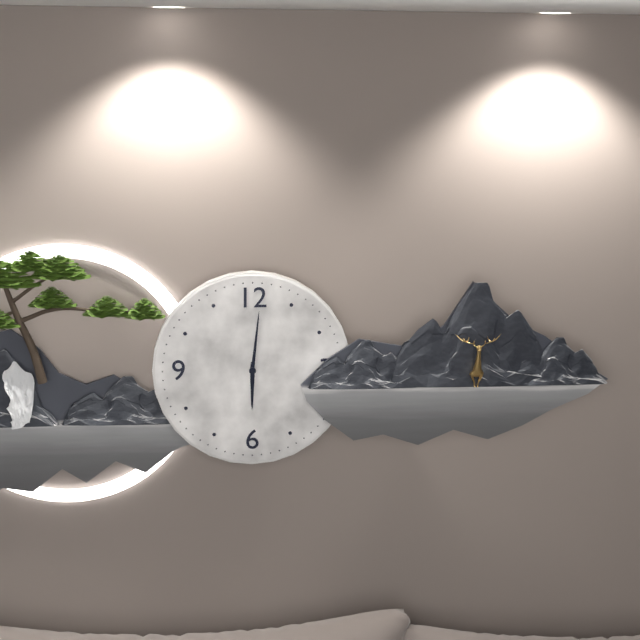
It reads **6:01**
